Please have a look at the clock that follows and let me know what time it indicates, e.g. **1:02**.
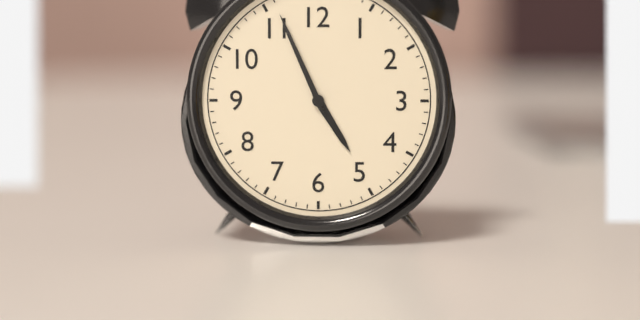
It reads **4:56**
